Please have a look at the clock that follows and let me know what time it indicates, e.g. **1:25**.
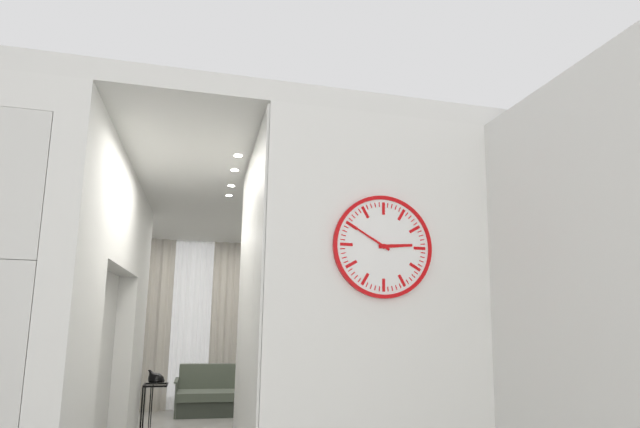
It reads **2:50**
